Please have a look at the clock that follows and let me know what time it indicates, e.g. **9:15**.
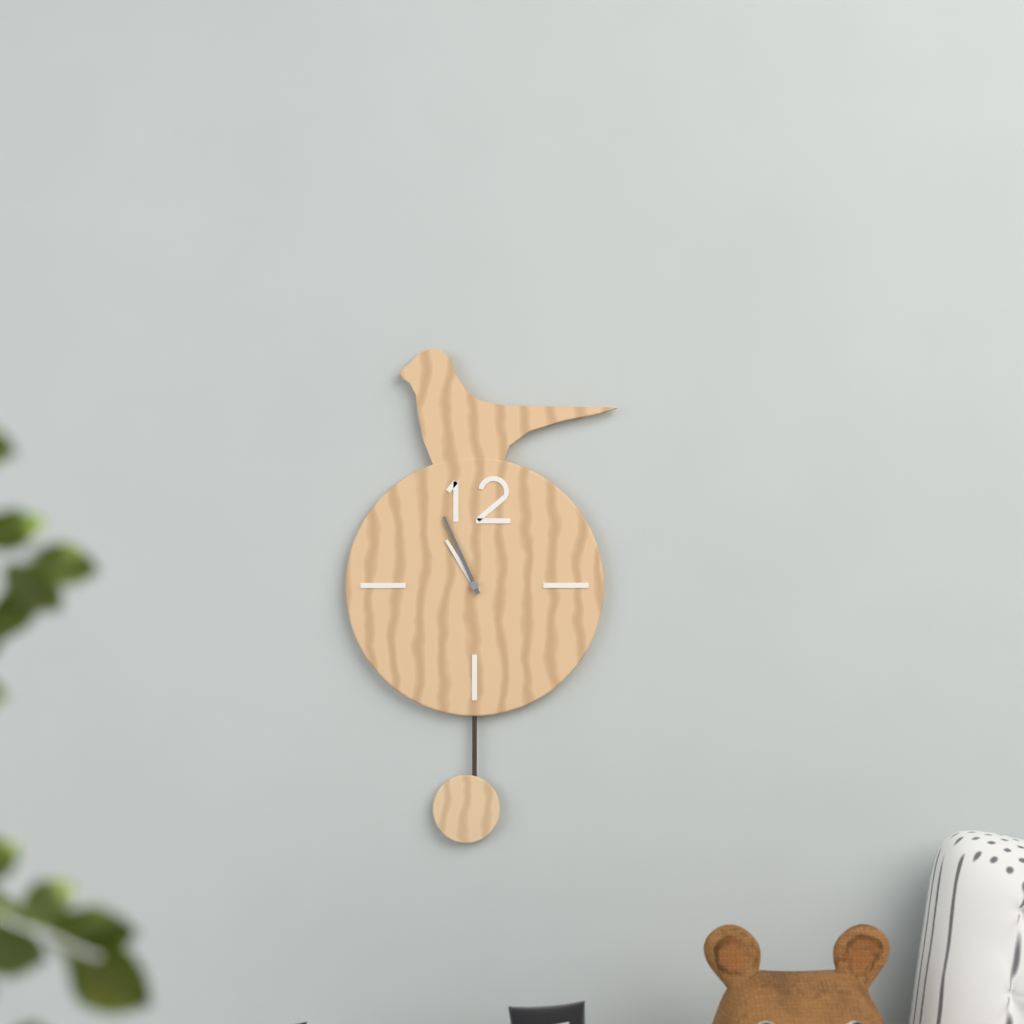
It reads **10:56**
